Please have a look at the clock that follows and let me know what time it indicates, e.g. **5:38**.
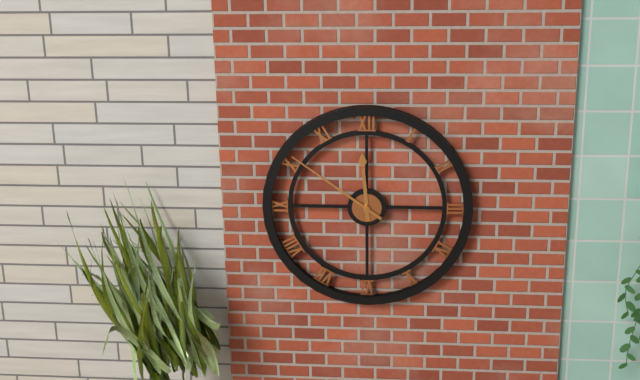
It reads **11:51**
